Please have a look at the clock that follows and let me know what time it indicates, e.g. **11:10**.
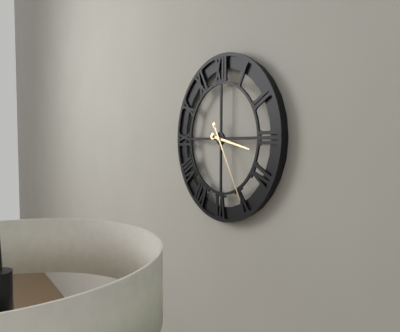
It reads **3:25**
